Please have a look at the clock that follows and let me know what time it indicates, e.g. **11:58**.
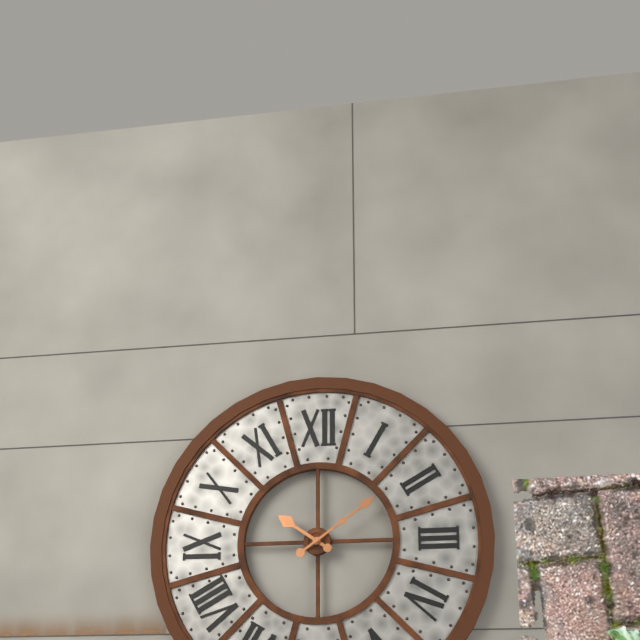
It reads **10:09**
